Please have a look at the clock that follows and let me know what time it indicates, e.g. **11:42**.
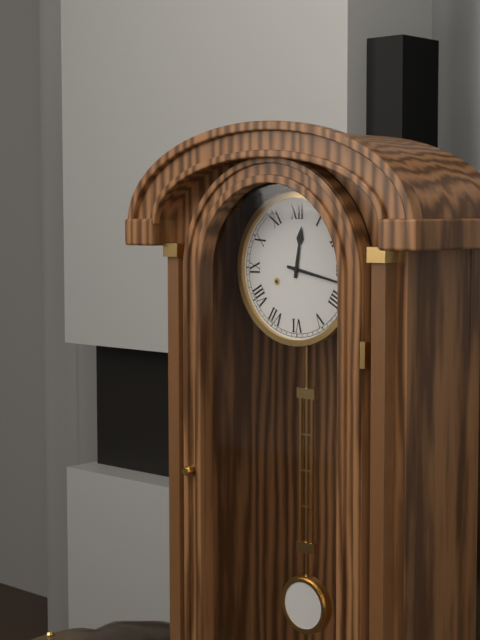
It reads **12:17**
